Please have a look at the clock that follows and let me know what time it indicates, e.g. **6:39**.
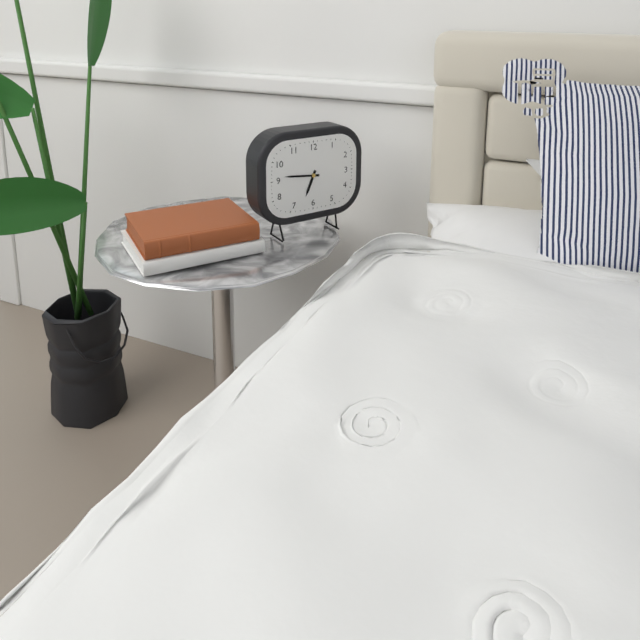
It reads **6:46**
